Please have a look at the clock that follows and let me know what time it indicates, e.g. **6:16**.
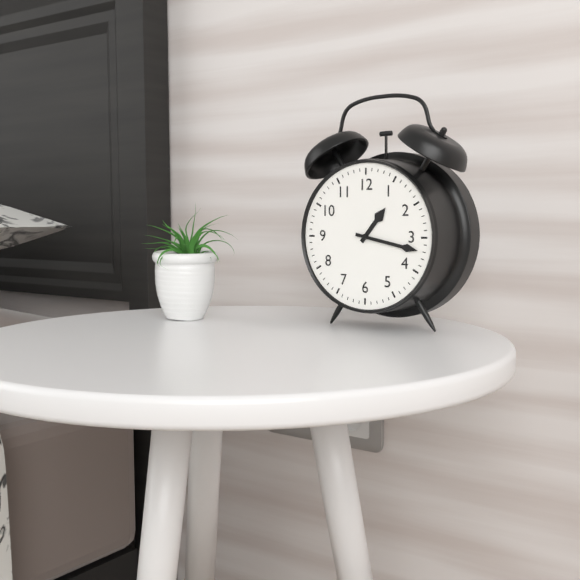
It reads **1:17**
